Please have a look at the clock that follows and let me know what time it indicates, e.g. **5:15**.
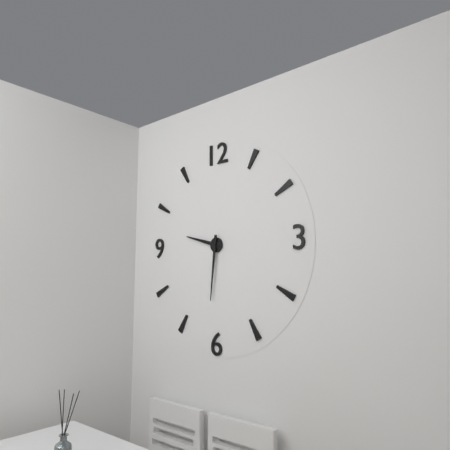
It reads **9:31**
